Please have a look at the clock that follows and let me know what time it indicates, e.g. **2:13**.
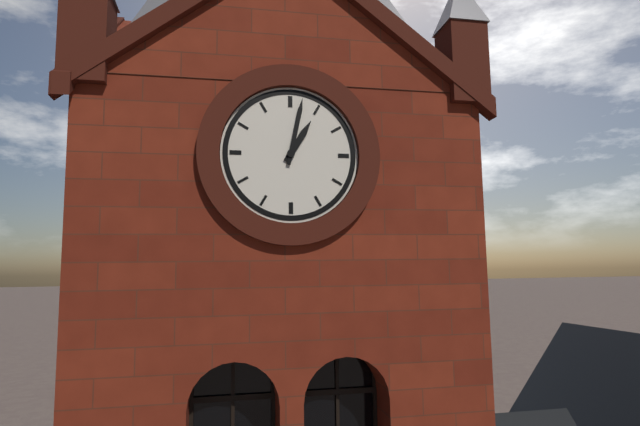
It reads **1:02**
